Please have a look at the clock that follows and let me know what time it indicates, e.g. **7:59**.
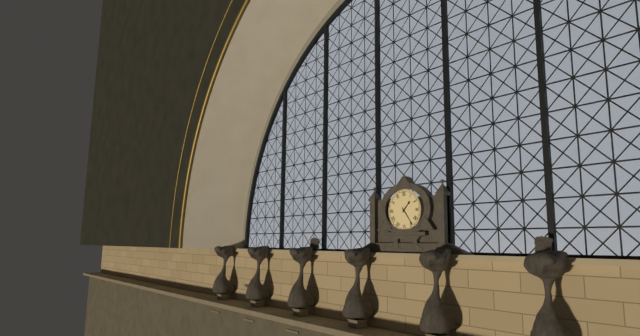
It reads **1:24**
